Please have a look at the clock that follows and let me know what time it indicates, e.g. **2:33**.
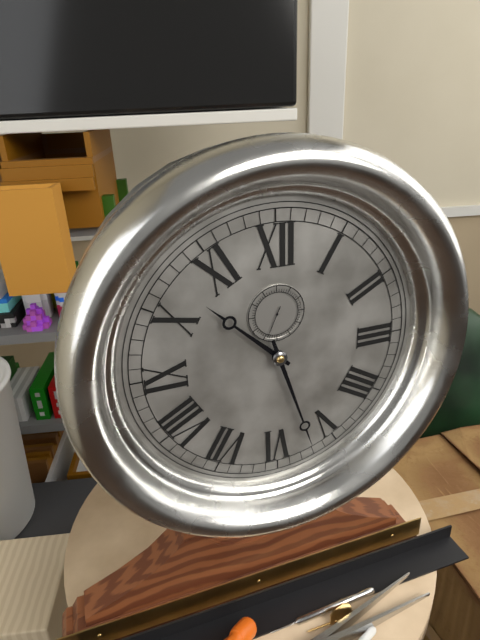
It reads **10:27**
